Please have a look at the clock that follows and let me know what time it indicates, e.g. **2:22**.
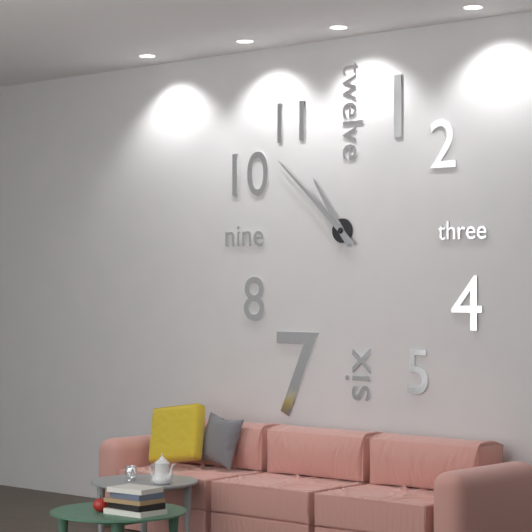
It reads **10:52**
